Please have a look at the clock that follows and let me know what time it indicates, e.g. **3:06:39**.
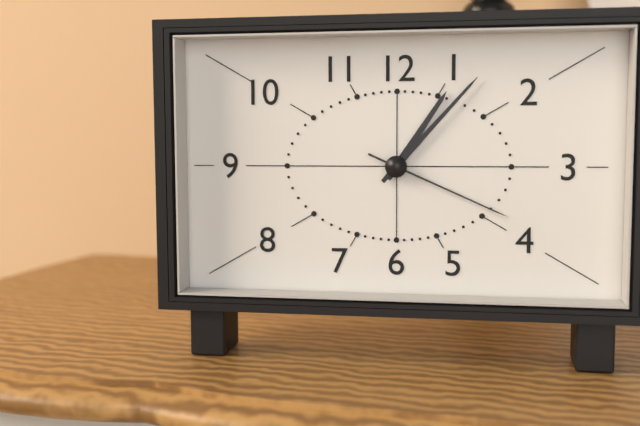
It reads **1:07:19**
